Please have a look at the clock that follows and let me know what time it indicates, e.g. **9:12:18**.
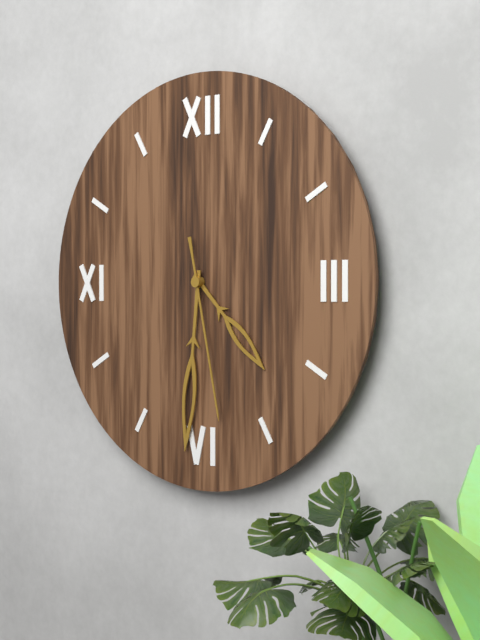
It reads **4:31:28**
